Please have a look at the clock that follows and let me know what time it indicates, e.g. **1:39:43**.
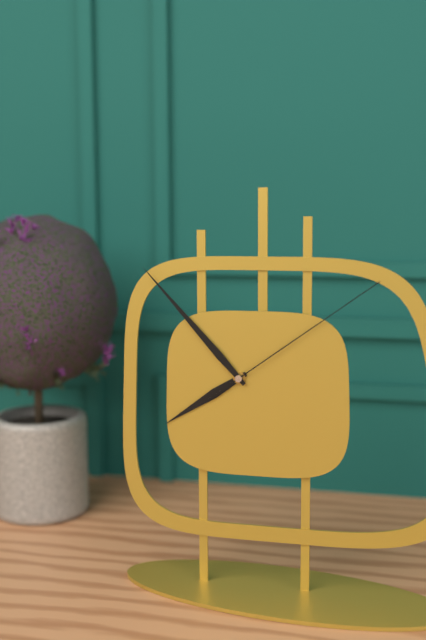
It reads **7:53:09**
